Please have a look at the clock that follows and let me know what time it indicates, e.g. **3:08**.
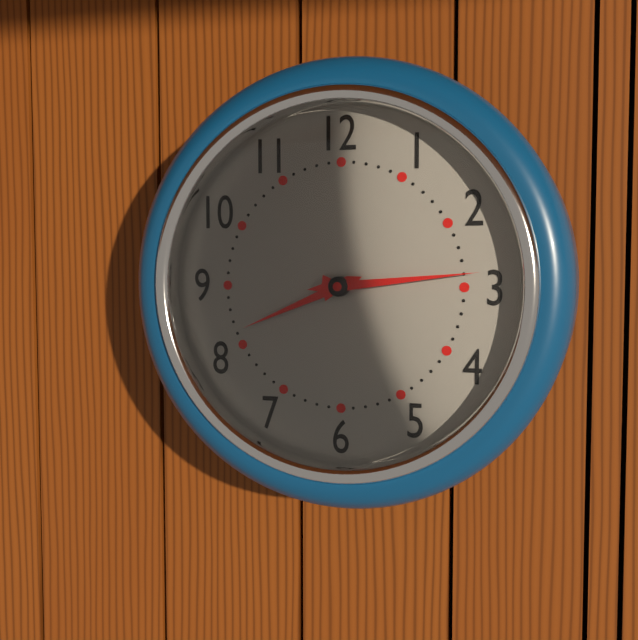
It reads **8:14**
